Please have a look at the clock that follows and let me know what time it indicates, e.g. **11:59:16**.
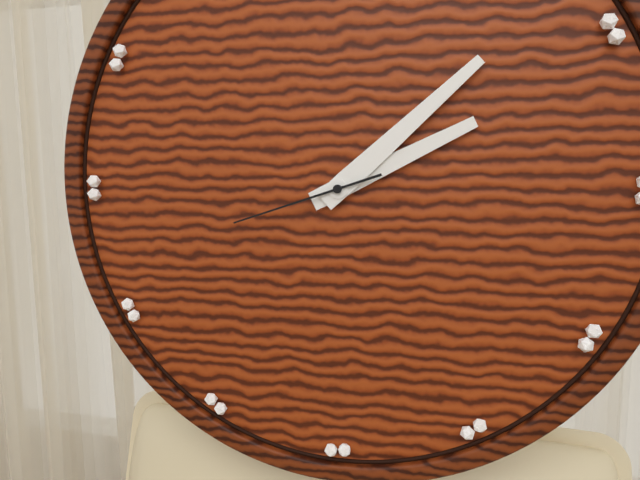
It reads **2:08:42**
